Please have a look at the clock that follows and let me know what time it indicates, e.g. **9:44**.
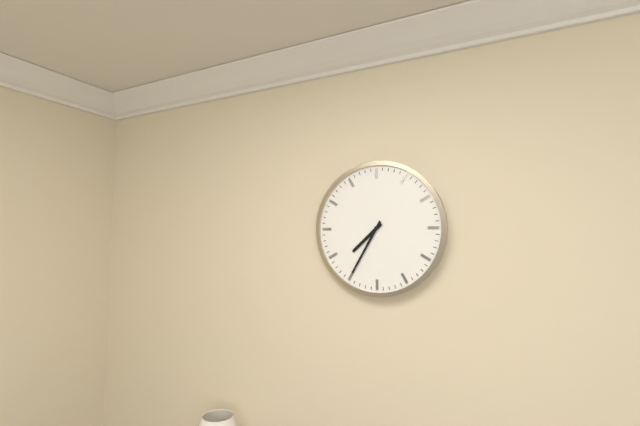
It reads **7:35**
